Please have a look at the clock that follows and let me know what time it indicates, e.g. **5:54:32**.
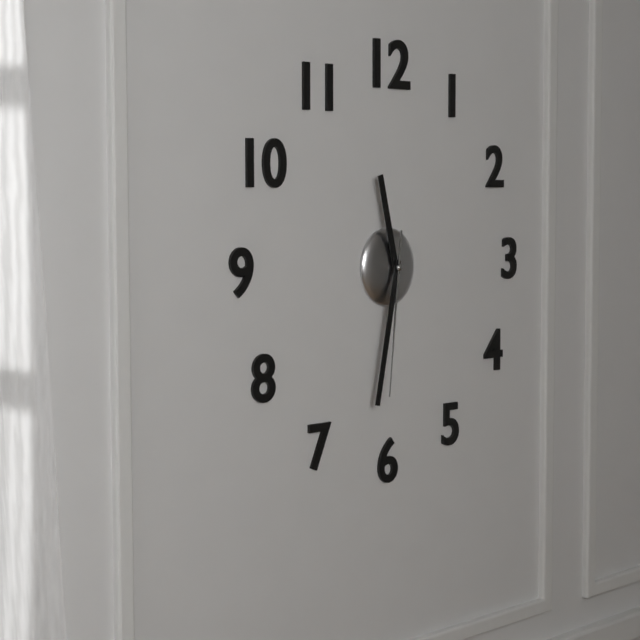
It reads **11:32:31**
